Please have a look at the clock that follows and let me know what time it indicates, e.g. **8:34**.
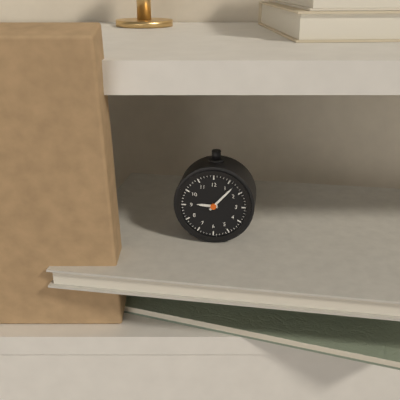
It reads **9:07**
